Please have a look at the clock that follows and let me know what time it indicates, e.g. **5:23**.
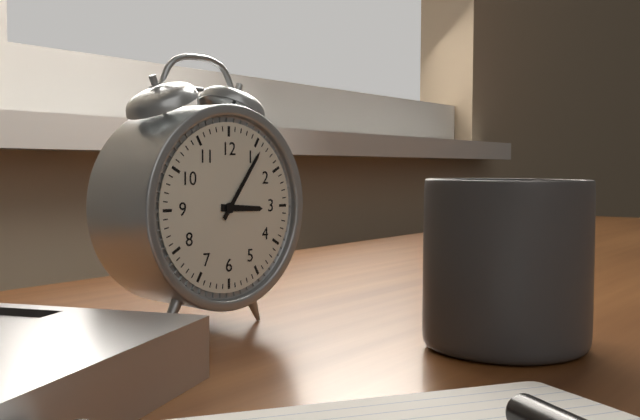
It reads **3:06**
